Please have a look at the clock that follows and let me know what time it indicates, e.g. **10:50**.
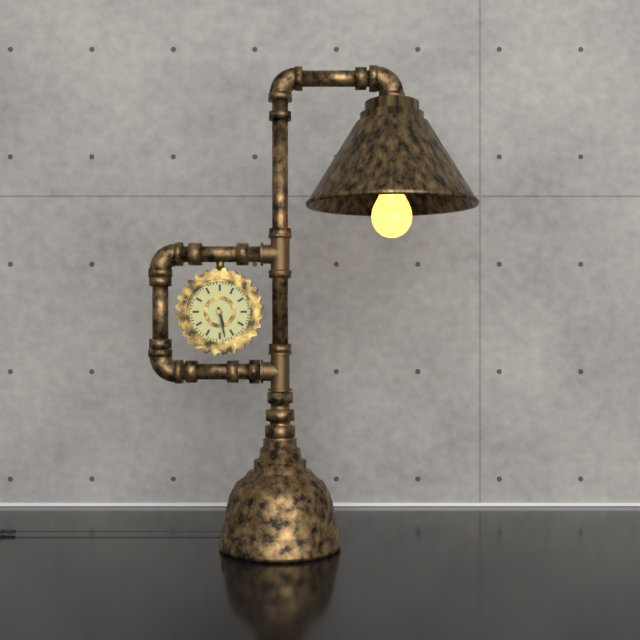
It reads **5:28**
